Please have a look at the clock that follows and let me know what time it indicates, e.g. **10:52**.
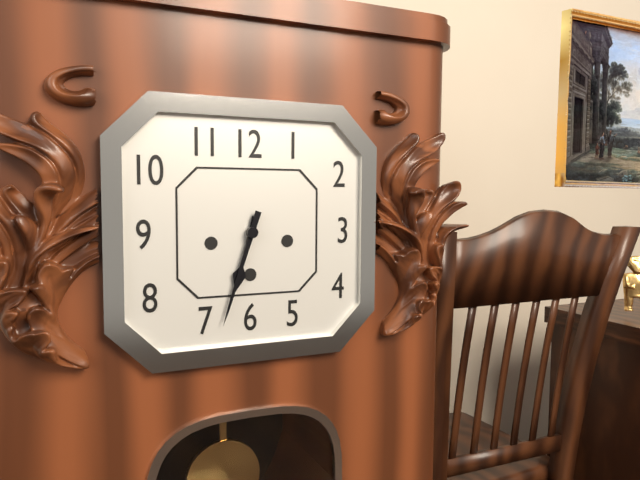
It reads **6:33**
